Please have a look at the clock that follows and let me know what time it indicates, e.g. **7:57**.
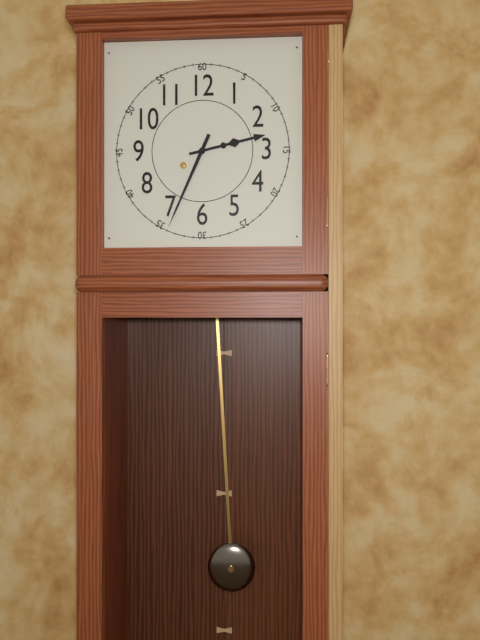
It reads **2:34**
